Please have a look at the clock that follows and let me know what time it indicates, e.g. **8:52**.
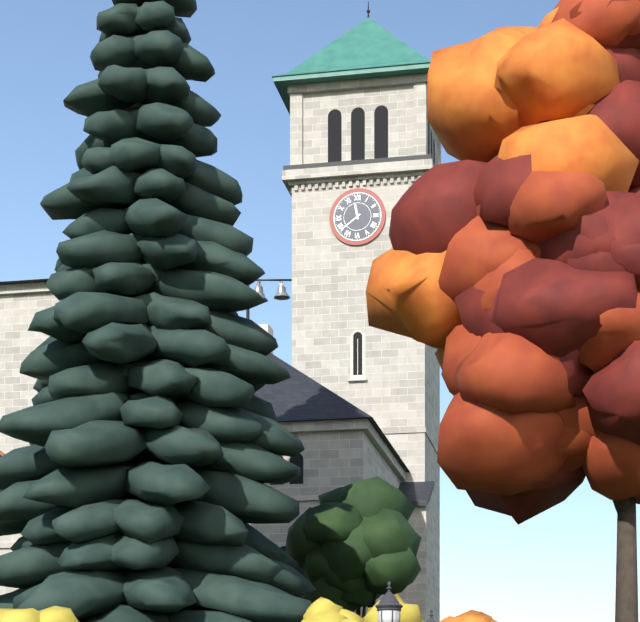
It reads **11:39**
